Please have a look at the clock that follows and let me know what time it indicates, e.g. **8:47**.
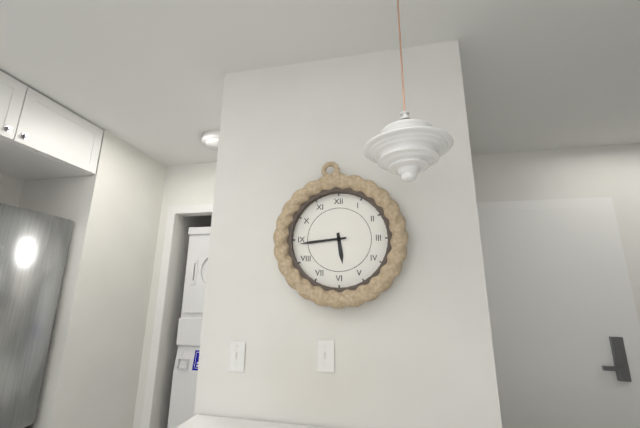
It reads **5:44**
